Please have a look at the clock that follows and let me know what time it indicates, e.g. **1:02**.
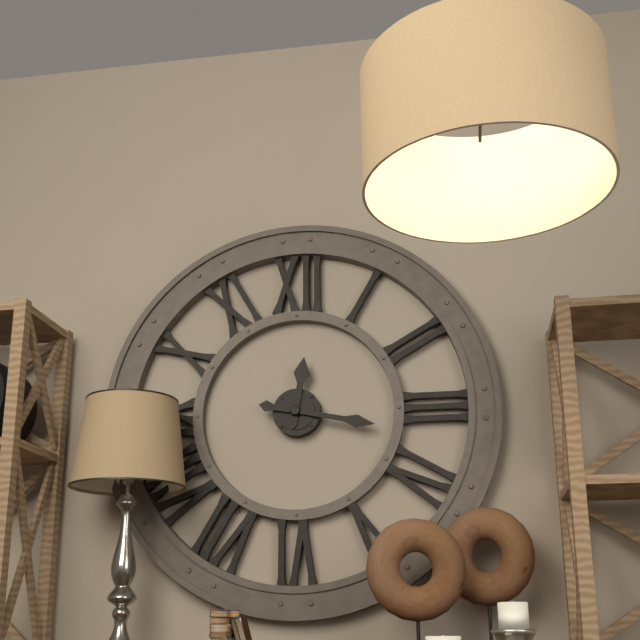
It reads **12:17**
